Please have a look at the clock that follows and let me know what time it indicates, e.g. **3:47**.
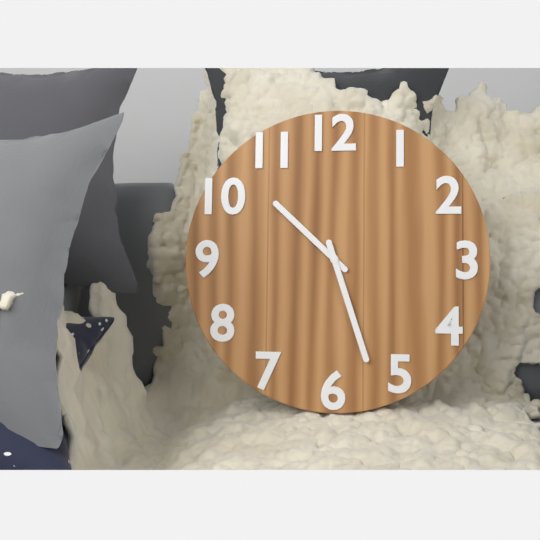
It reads **10:27**
